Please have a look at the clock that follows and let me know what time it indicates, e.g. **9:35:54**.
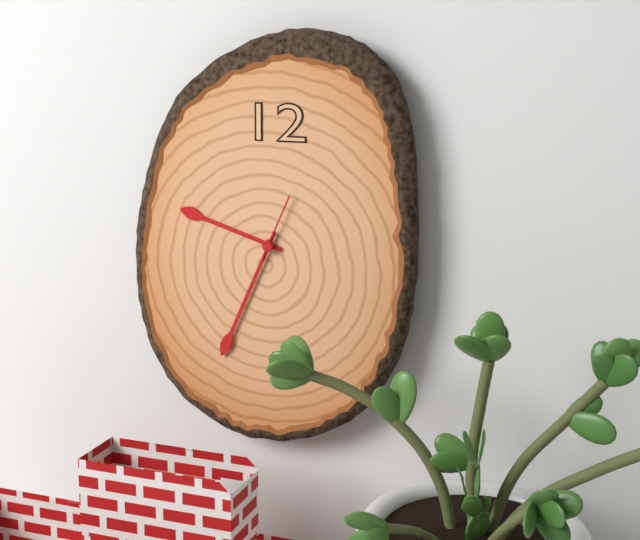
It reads **9:34:04**
